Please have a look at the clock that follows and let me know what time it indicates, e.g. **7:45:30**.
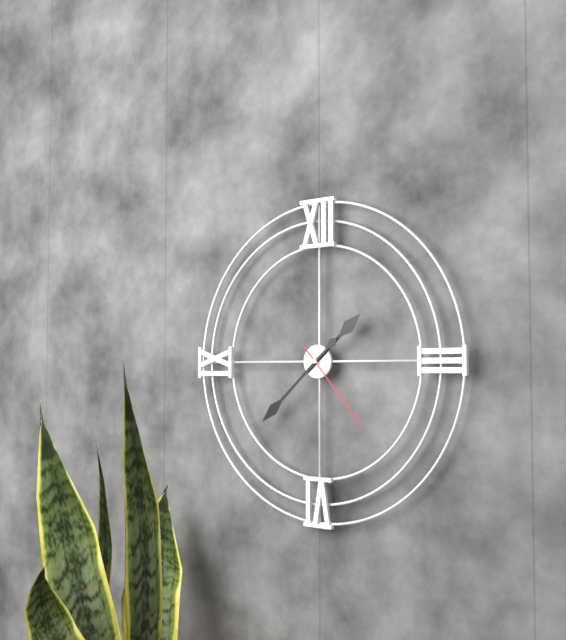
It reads **1:38:23**
